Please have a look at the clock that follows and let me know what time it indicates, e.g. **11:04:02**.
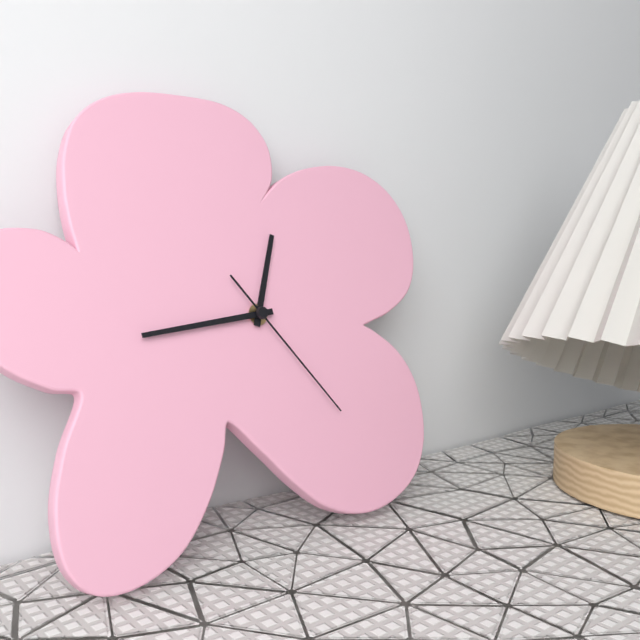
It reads **12:44:24**
